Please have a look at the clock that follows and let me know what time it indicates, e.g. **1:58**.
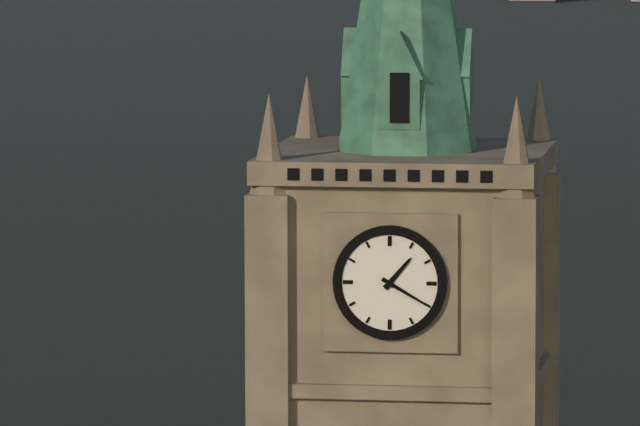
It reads **1:20**
